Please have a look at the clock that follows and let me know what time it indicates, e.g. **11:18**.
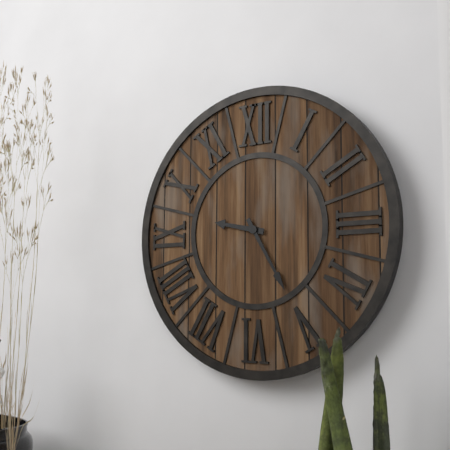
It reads **9:25**
